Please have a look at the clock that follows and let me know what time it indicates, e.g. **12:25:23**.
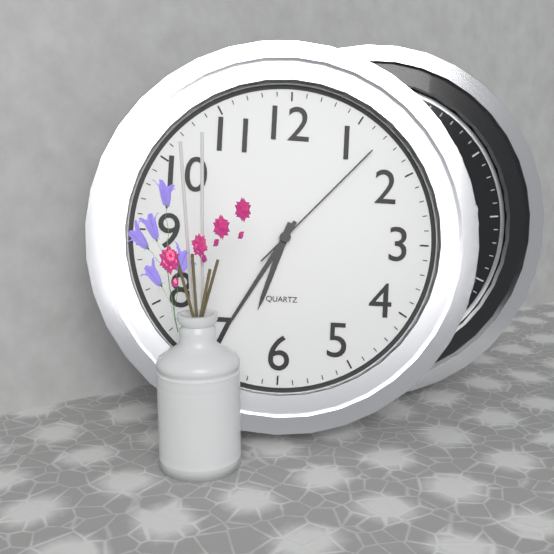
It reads **6:35:07**
